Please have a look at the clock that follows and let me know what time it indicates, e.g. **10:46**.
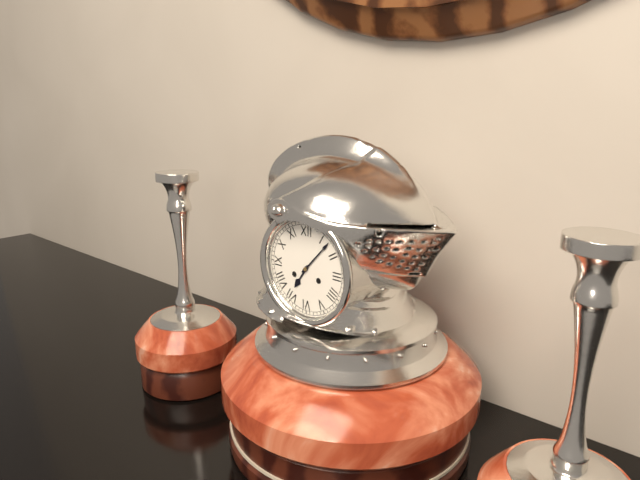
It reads **7:07**
